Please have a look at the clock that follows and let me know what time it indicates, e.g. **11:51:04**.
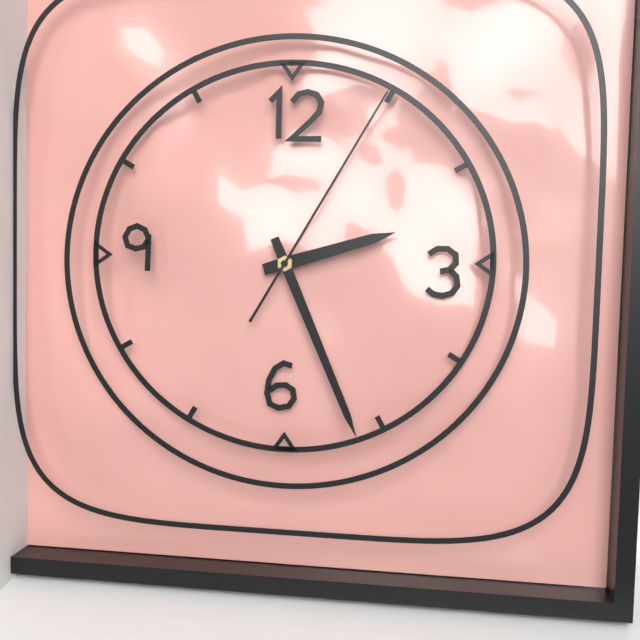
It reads **2:26:05**
